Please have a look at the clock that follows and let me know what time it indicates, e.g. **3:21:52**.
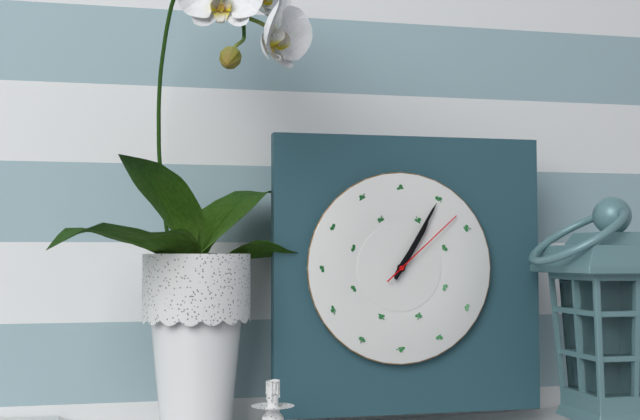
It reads **1:05:08**
